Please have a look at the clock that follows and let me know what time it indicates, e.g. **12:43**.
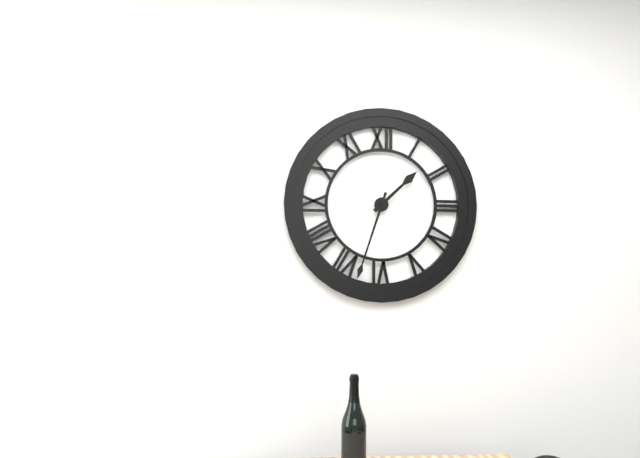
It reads **1:33**
